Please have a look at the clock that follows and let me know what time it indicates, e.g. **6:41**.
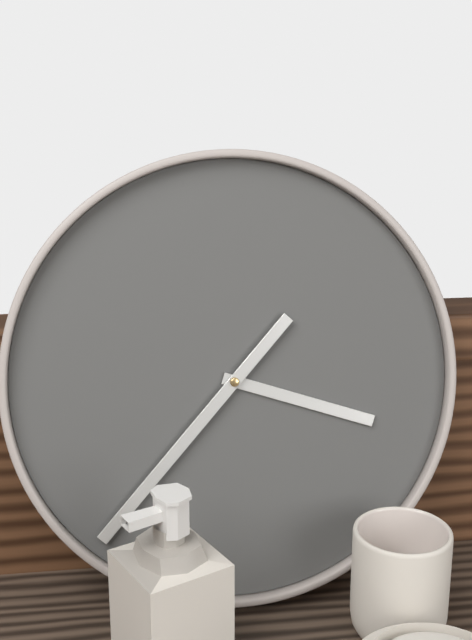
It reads **3:37**
